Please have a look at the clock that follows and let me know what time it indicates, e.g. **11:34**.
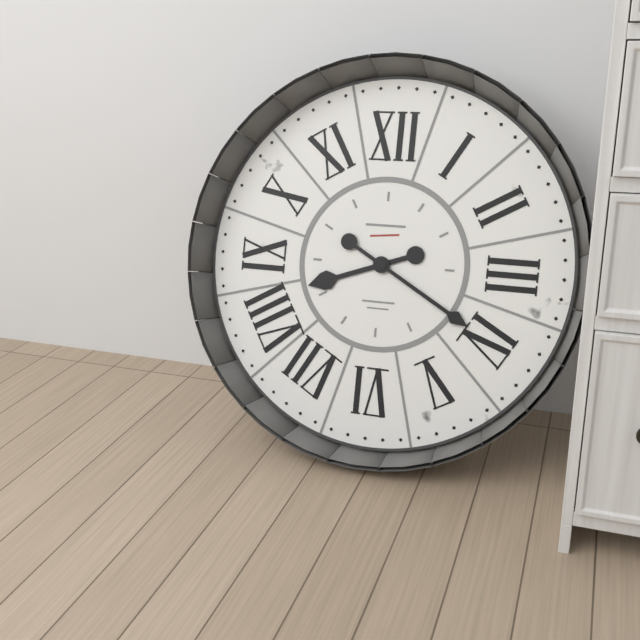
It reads **8:20**
